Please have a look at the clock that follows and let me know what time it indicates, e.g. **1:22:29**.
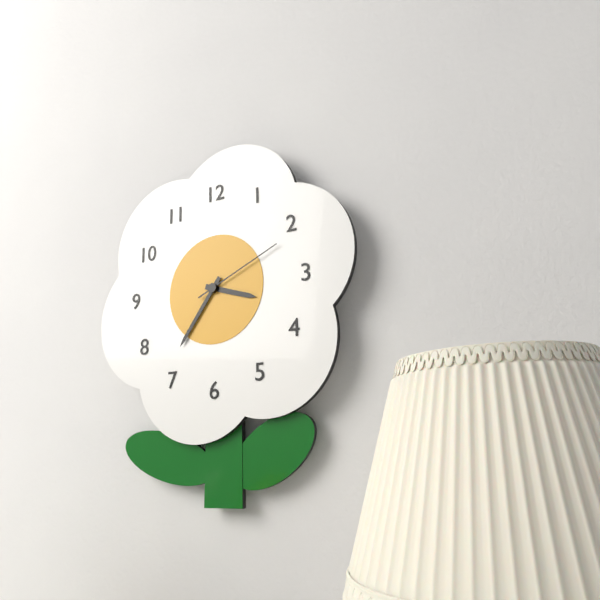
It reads **3:36:11**
